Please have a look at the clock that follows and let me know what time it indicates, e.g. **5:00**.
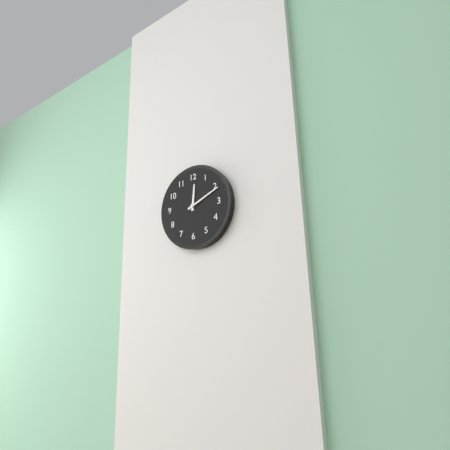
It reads **12:11**
